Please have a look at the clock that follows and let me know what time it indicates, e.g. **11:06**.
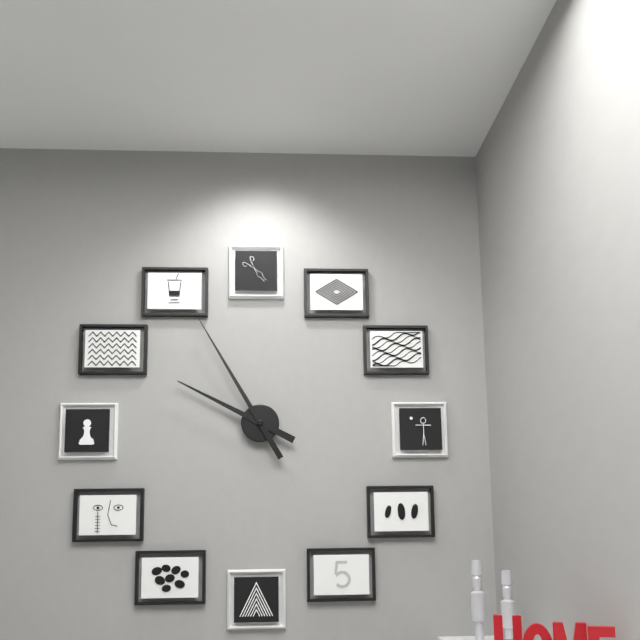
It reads **9:55**
